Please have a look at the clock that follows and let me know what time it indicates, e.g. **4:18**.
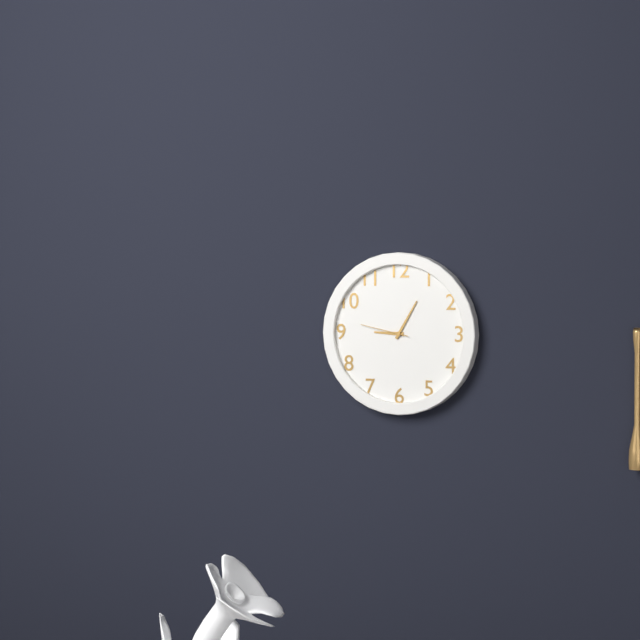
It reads **9:05**
